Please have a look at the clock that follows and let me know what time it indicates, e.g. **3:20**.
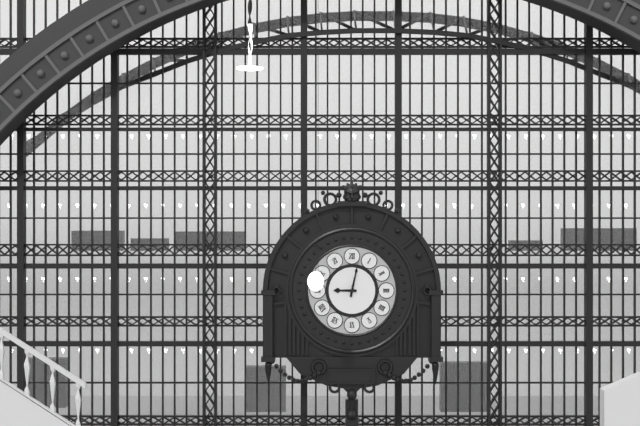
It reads **9:02**
